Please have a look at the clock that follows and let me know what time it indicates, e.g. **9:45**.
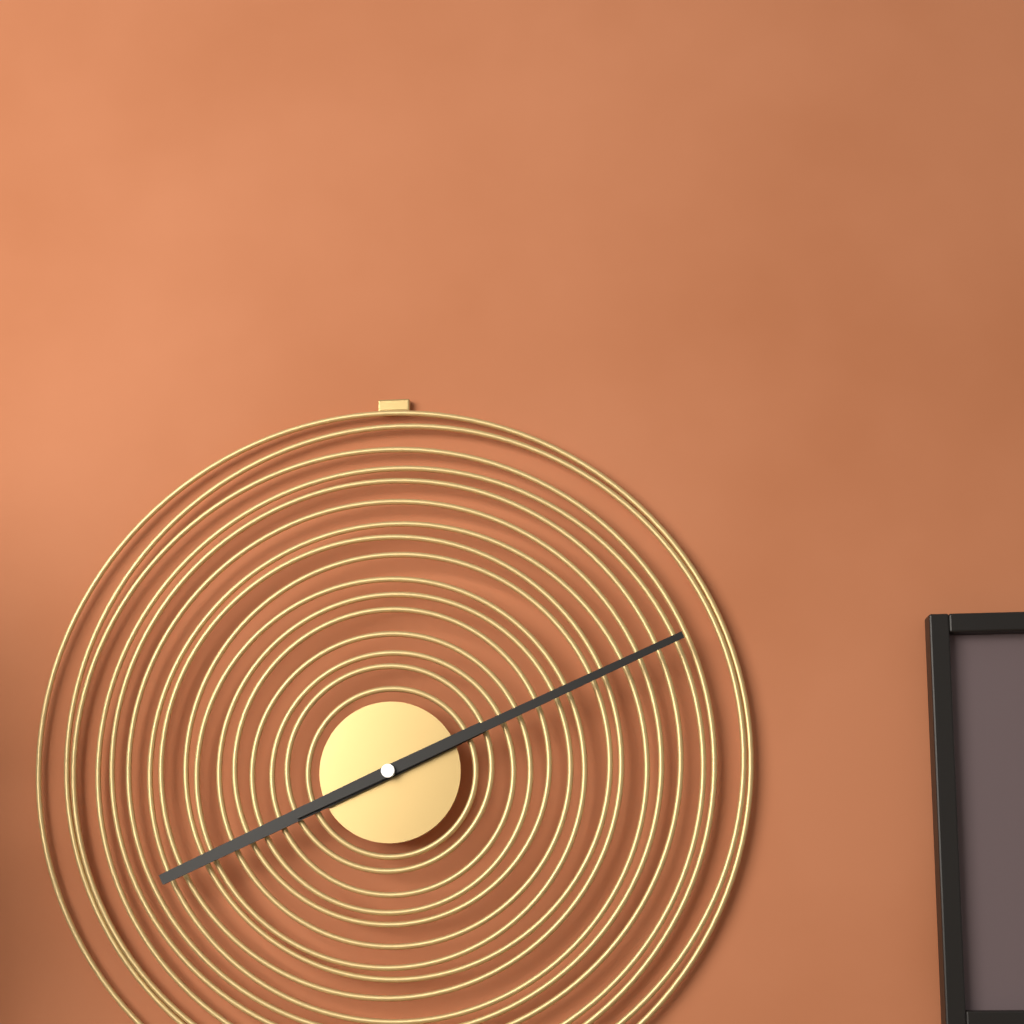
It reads **8:11**
